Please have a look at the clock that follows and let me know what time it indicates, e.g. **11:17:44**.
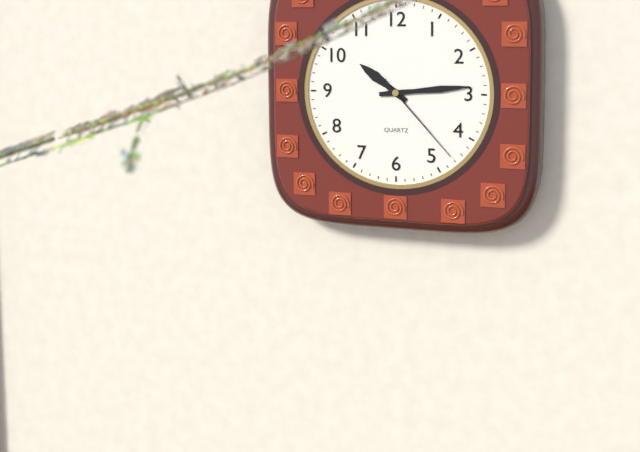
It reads **10:14:23**
